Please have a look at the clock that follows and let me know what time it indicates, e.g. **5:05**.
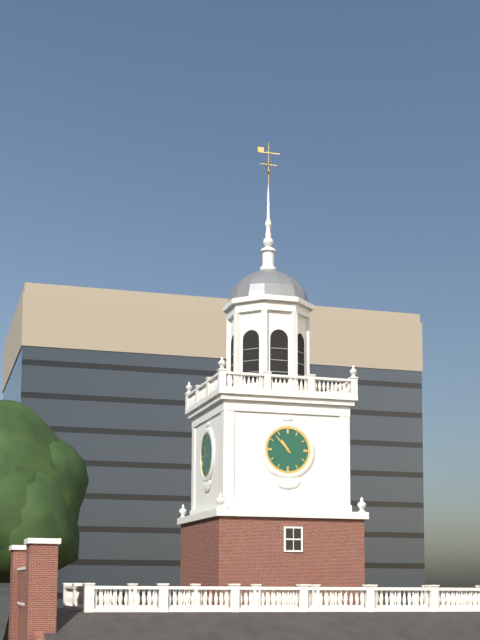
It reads **10:53**
